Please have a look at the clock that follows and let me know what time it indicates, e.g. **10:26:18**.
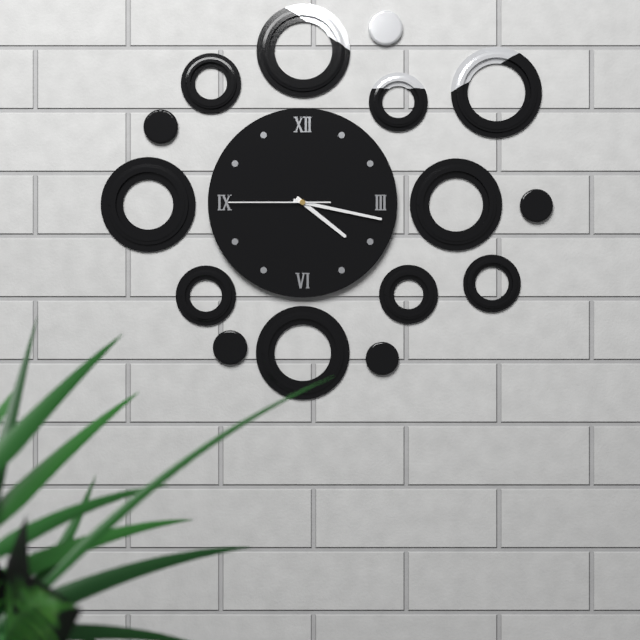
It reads **4:17:45**
